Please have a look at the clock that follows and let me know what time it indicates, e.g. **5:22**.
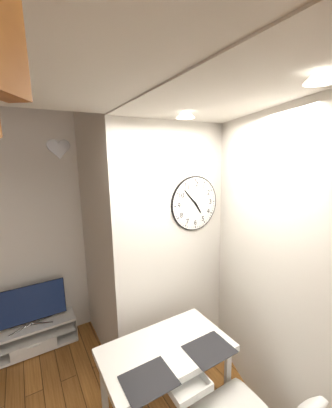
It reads **4:53**
